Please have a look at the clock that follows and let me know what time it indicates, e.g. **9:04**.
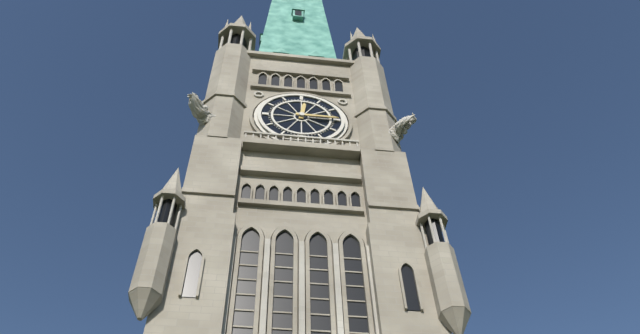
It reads **12:15**
